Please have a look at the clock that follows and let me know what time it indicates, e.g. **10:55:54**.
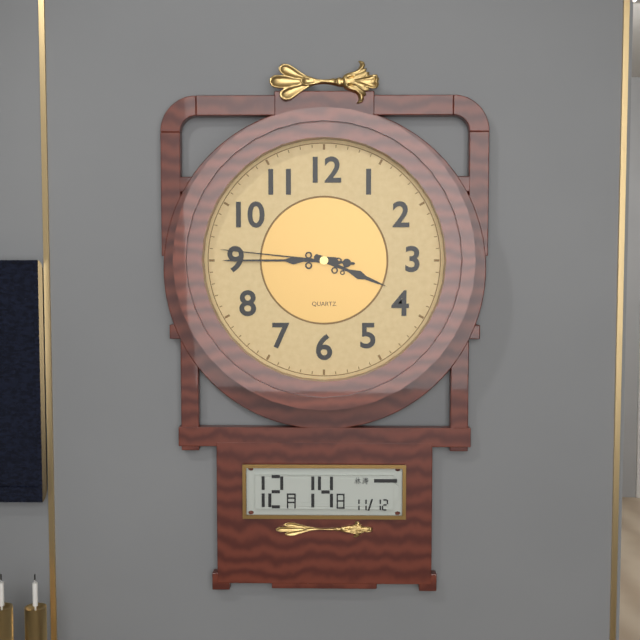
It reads **3:45:46**
